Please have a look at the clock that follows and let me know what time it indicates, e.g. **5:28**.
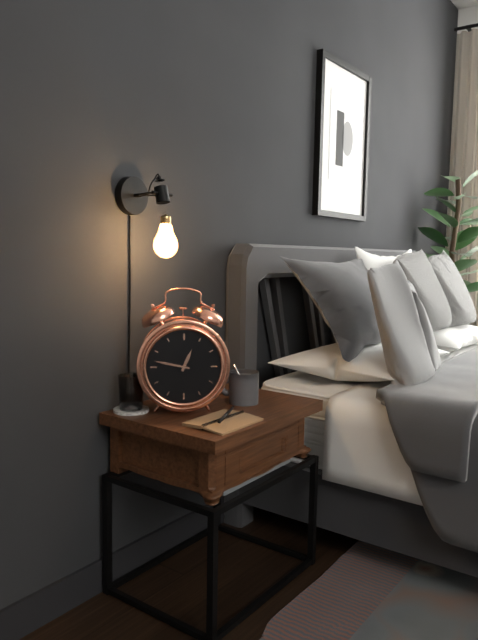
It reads **12:47**
